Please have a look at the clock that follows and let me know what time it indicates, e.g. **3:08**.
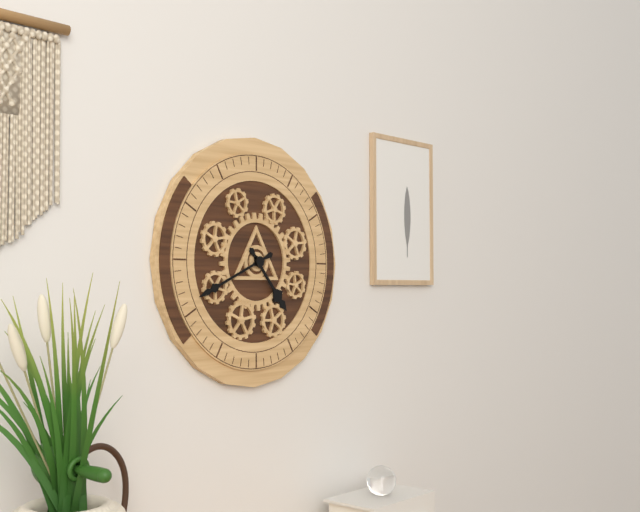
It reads **4:41**
